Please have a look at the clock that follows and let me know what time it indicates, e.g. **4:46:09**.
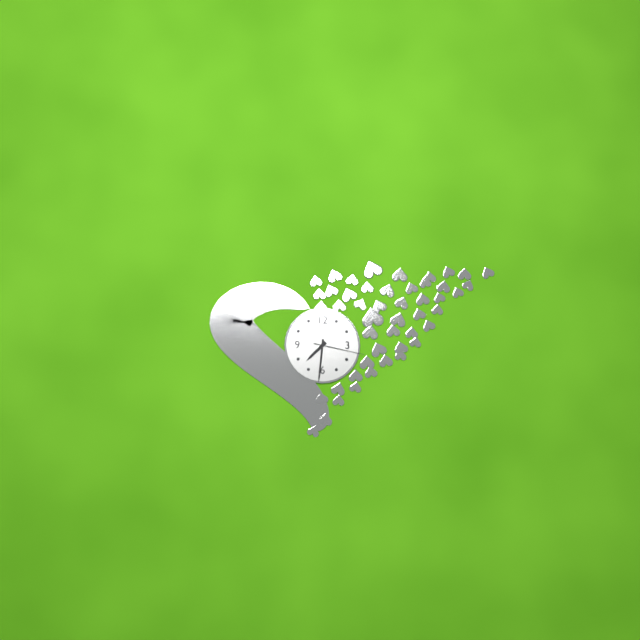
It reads **7:31:17**
